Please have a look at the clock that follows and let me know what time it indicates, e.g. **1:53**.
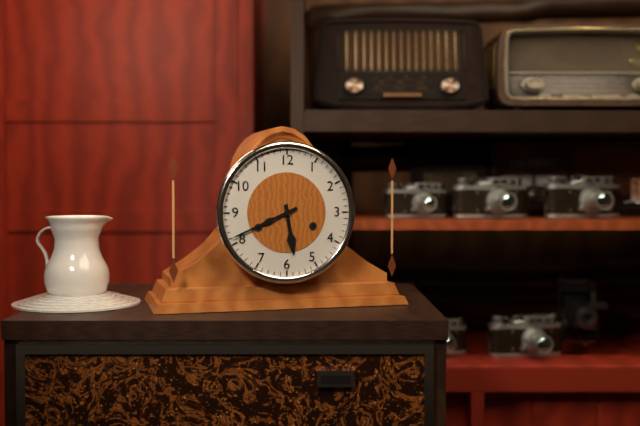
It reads **5:41**
